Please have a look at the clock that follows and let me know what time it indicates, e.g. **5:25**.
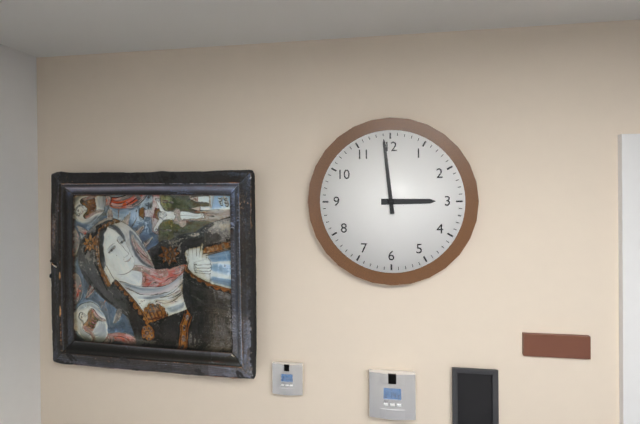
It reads **2:59**
